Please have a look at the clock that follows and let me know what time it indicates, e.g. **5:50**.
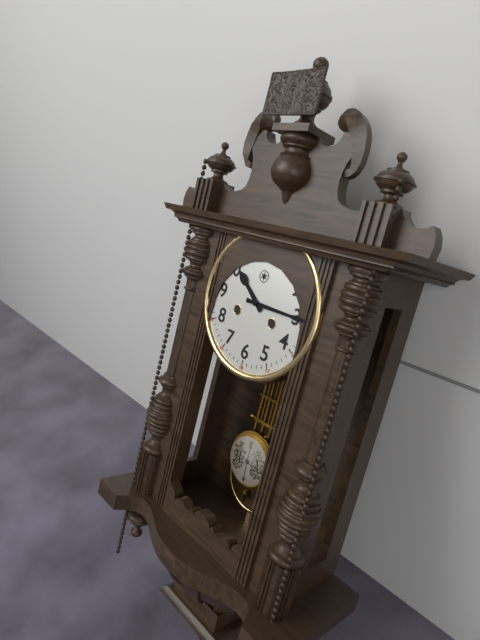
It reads **10:15**
